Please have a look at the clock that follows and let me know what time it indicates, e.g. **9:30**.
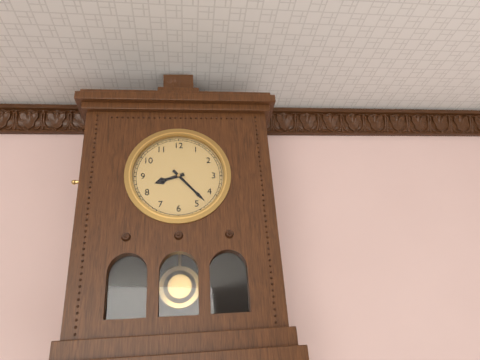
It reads **8:23**
